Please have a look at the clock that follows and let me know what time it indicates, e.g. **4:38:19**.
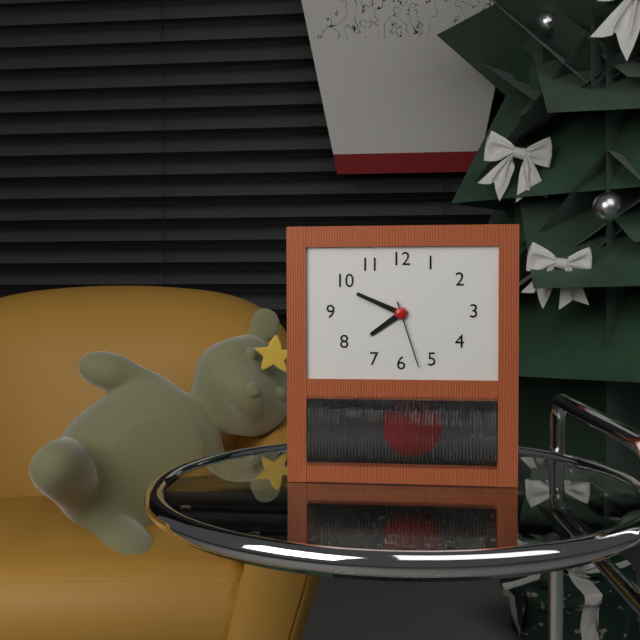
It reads **7:49:27**
